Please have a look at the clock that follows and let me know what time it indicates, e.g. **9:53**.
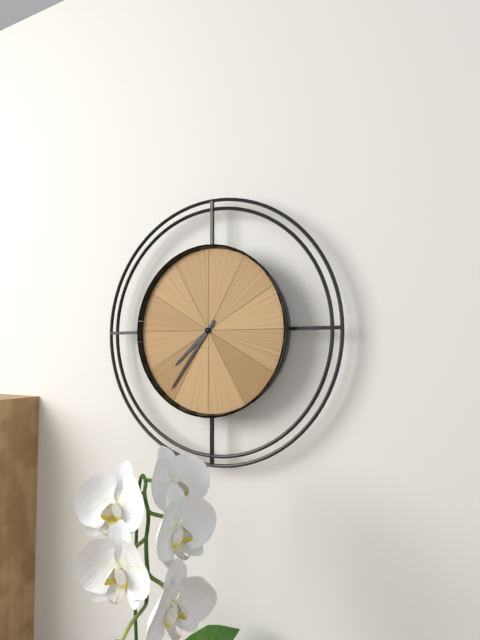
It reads **7:36**
